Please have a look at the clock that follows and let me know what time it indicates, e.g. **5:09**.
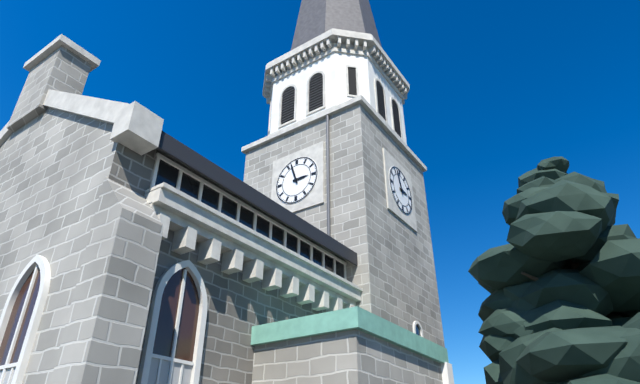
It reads **2:57**
